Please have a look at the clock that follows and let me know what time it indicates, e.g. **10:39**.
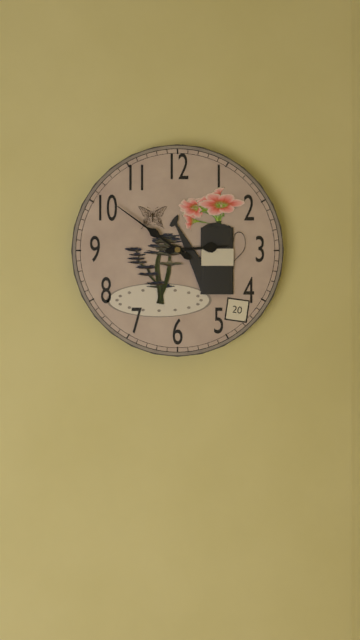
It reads **2:51**
